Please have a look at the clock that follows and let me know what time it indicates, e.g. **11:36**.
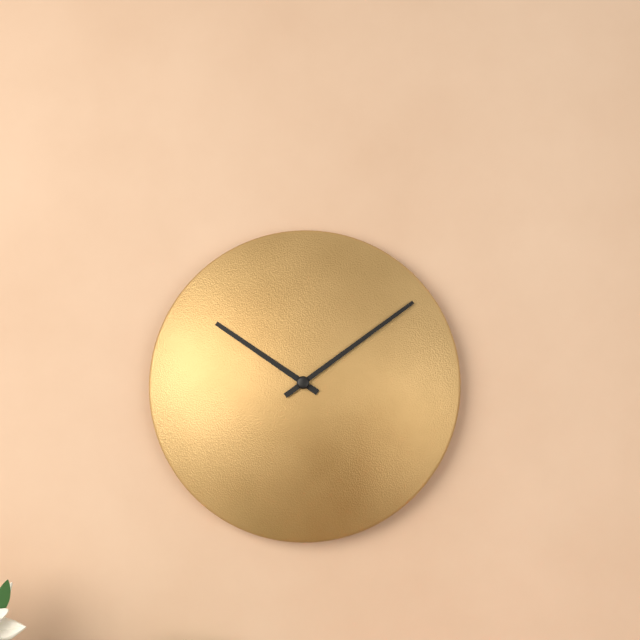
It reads **10:09**
